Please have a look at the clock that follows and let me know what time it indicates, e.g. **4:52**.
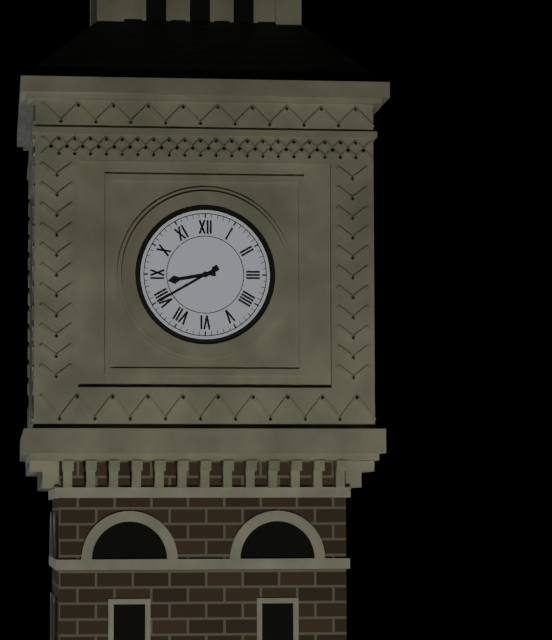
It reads **8:40**
